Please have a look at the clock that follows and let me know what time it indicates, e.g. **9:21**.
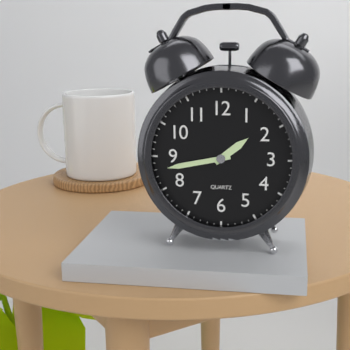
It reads **1:43**
